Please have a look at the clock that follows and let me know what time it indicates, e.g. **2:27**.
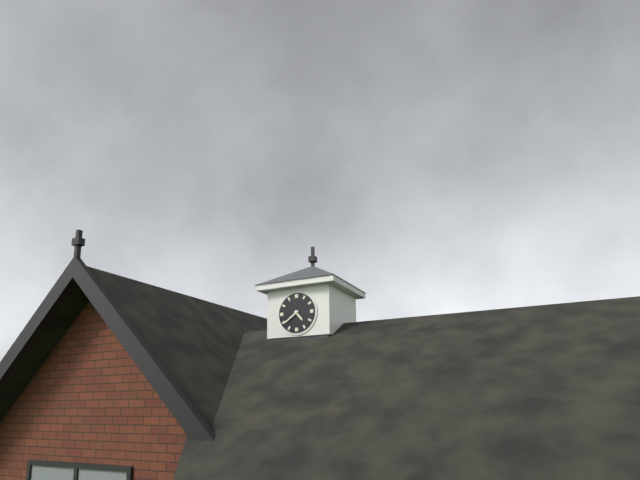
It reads **4:39**
